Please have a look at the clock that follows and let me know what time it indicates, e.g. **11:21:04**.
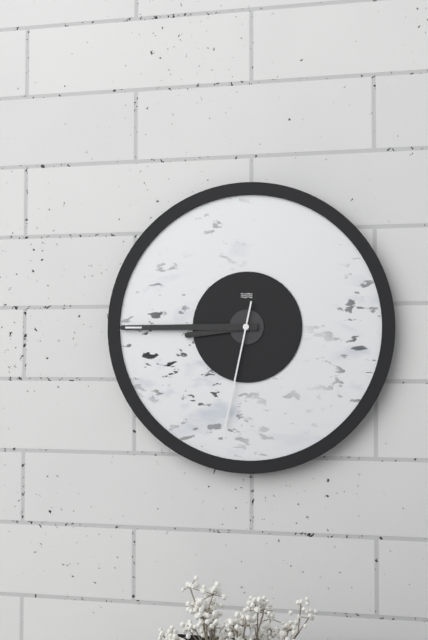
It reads **8:45:32**
